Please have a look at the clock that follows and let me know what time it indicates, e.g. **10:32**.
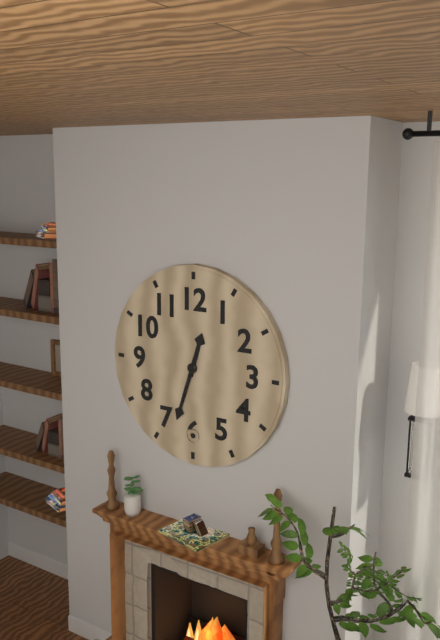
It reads **12:33**
